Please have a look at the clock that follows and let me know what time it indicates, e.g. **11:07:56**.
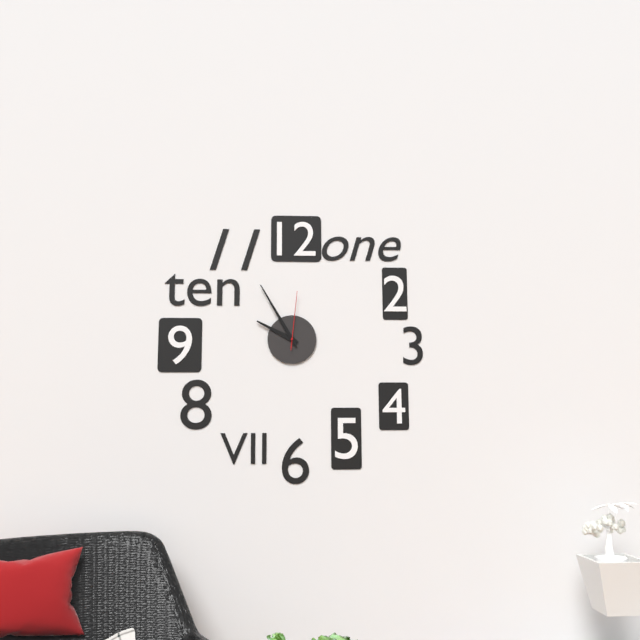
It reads **9:55:01**
